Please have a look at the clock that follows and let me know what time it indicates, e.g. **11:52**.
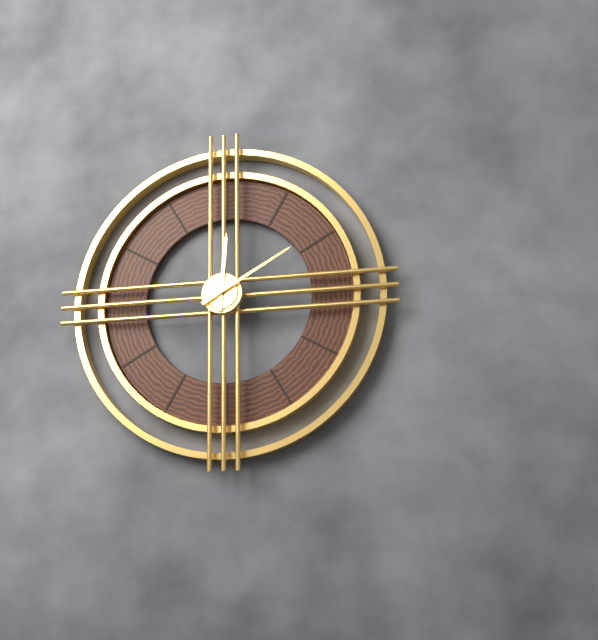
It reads **12:10**
